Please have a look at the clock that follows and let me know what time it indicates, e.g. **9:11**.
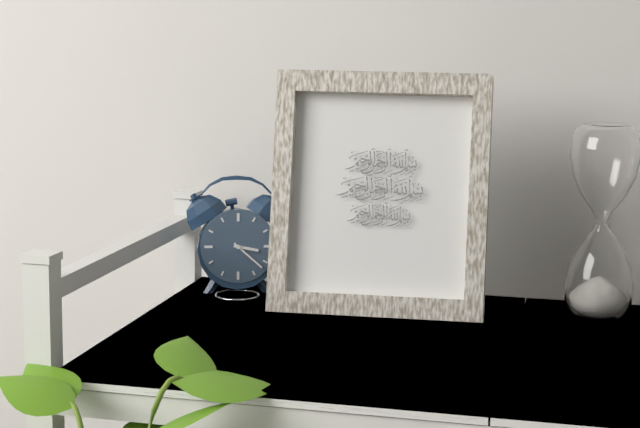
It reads **3:22**
